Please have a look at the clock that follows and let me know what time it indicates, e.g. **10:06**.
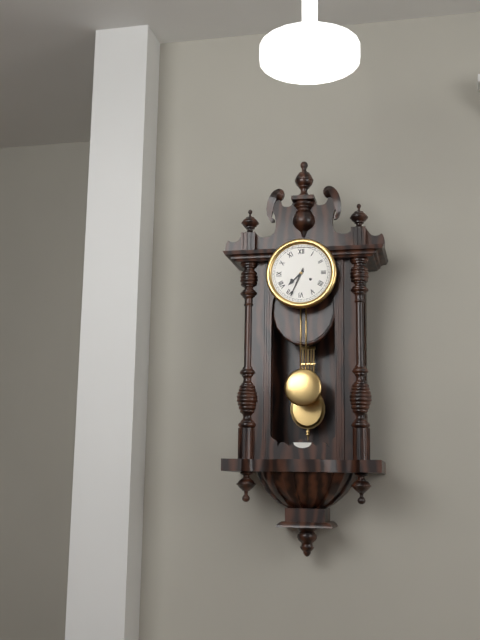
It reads **7:34**
